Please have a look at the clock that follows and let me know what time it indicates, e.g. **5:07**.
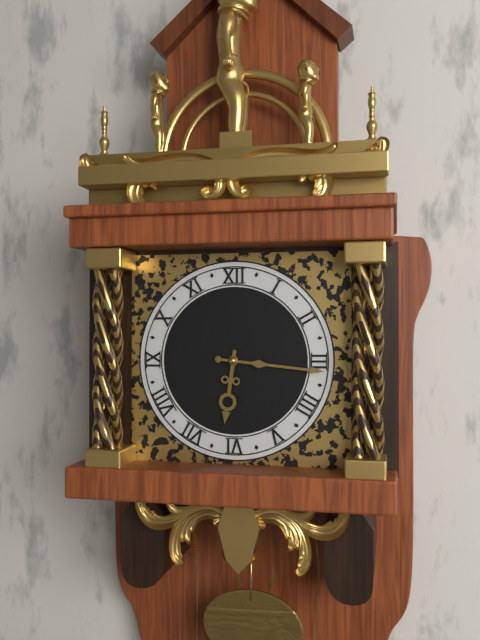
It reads **6:16**
